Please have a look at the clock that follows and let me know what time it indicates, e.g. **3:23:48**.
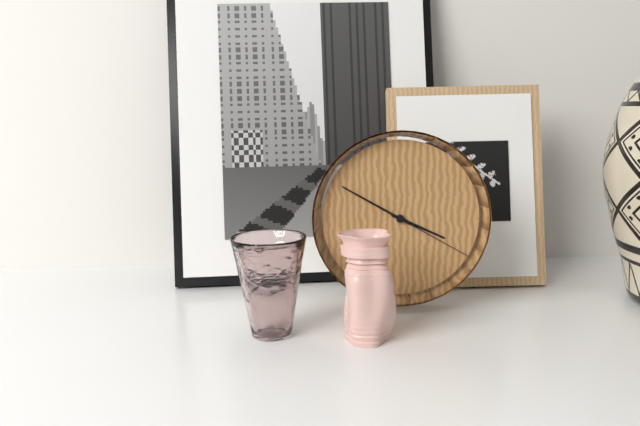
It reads **3:50:20**
